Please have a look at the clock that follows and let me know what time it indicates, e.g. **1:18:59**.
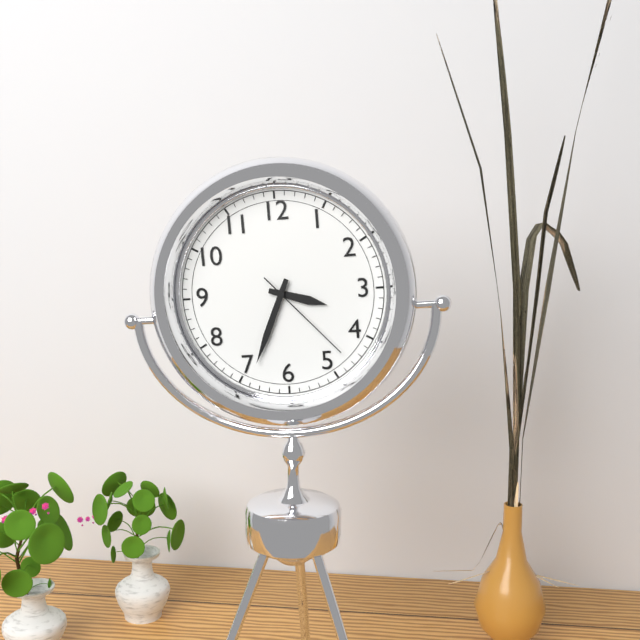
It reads **3:34:23**
